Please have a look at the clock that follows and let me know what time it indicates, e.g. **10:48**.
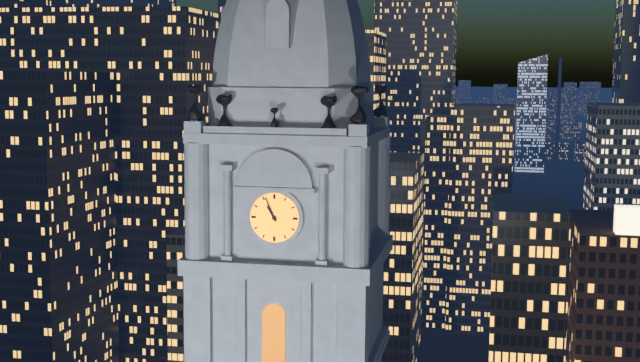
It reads **10:56**
